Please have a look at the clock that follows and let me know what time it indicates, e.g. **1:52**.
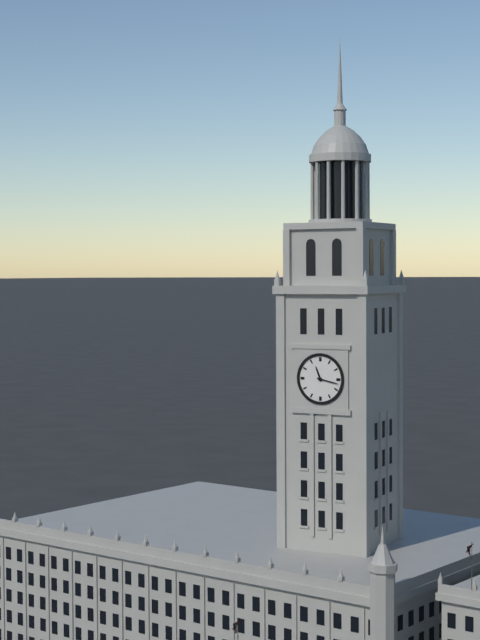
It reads **11:17**
